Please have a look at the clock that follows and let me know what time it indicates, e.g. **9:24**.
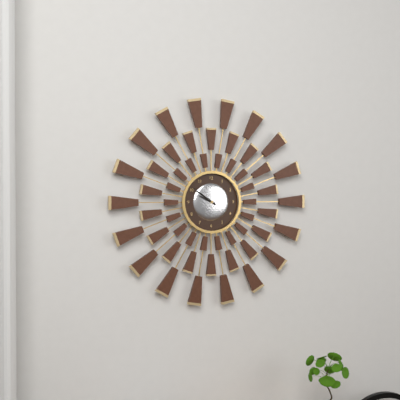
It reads **9:51**
